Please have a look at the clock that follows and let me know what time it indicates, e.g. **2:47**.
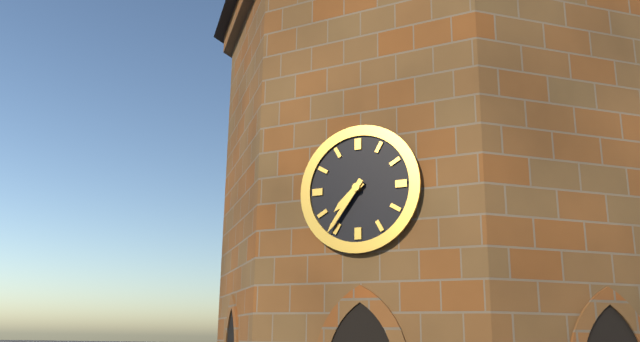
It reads **7:36**
